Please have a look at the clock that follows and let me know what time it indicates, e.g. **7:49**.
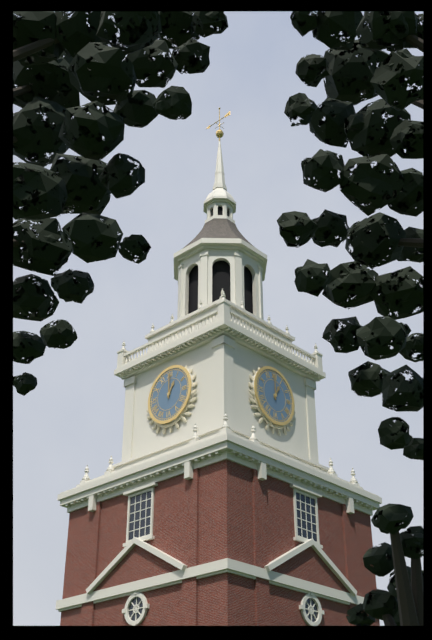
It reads **1:00**
